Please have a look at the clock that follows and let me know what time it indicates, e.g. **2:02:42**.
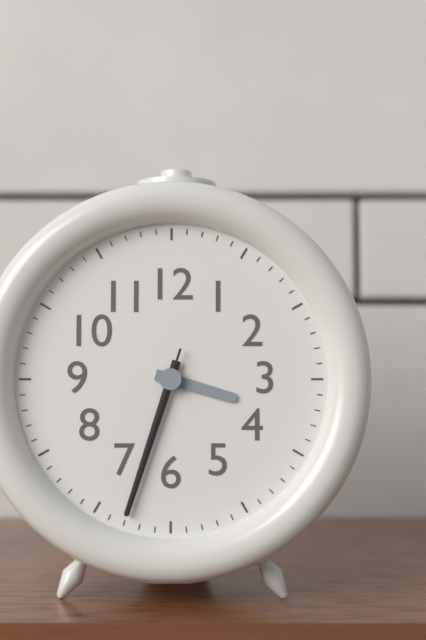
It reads **3:33:33**
